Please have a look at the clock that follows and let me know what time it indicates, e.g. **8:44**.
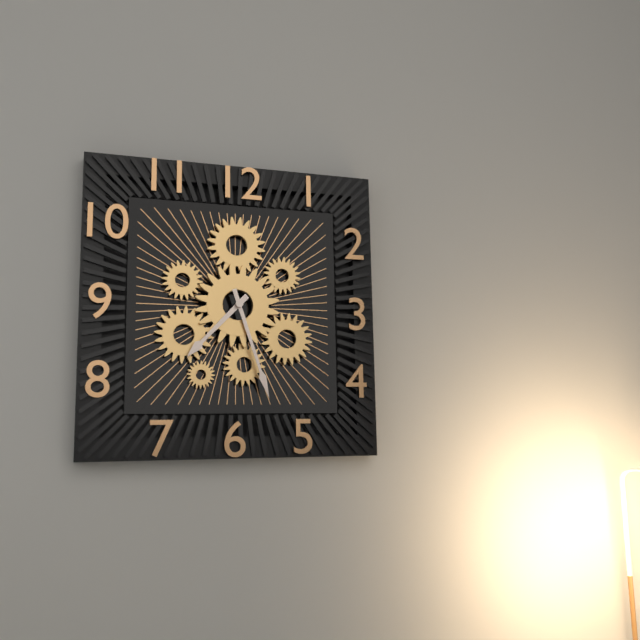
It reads **7:27**
